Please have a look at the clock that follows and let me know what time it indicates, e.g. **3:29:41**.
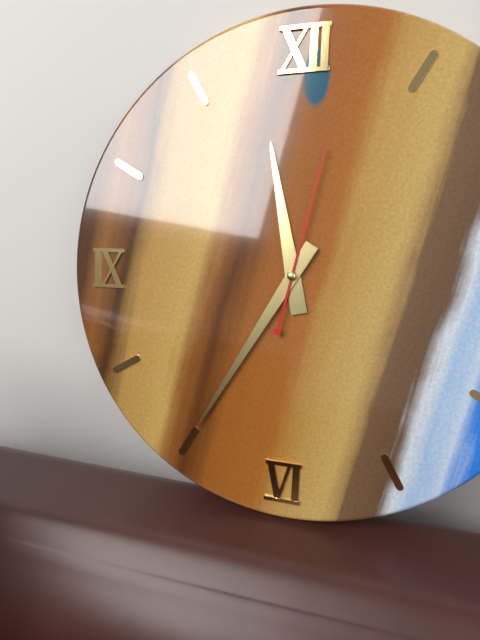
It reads **11:35:02**
